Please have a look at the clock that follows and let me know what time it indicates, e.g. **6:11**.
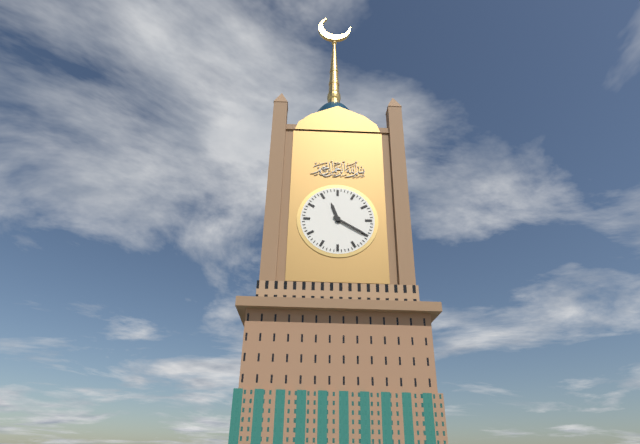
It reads **11:20**
